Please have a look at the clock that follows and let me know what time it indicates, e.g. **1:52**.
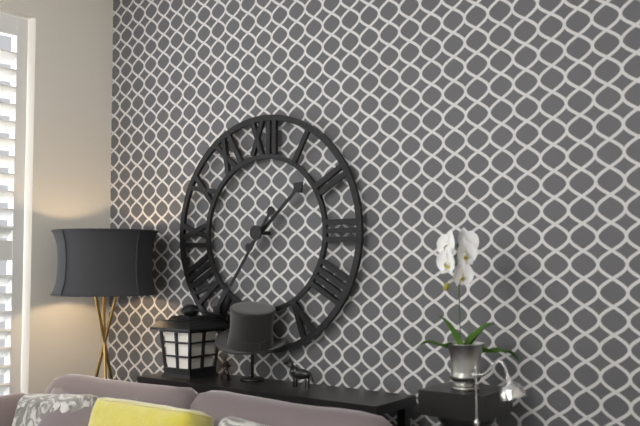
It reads **1:36**
